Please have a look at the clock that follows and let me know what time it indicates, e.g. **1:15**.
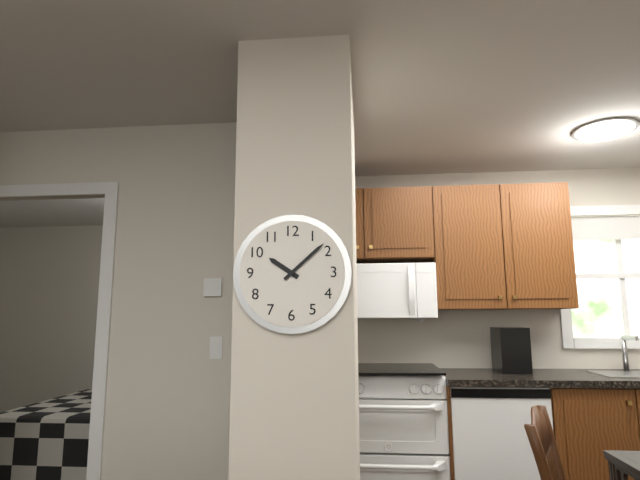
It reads **10:08**
